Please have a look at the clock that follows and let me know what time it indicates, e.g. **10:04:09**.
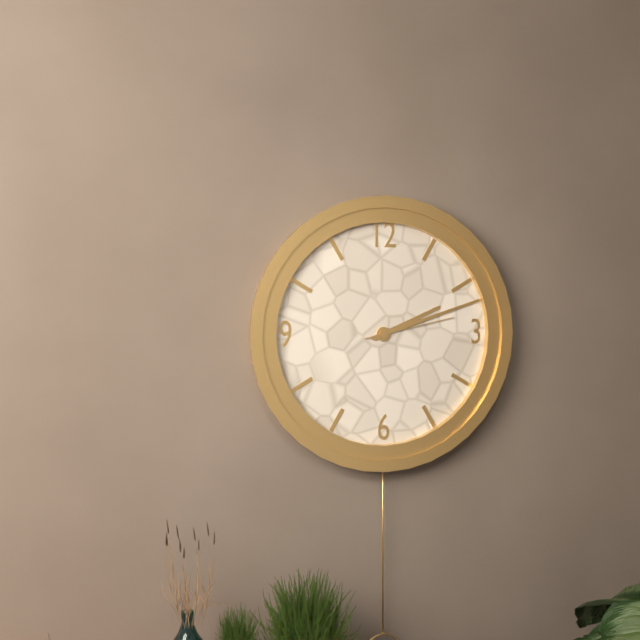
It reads **2:12:13**
